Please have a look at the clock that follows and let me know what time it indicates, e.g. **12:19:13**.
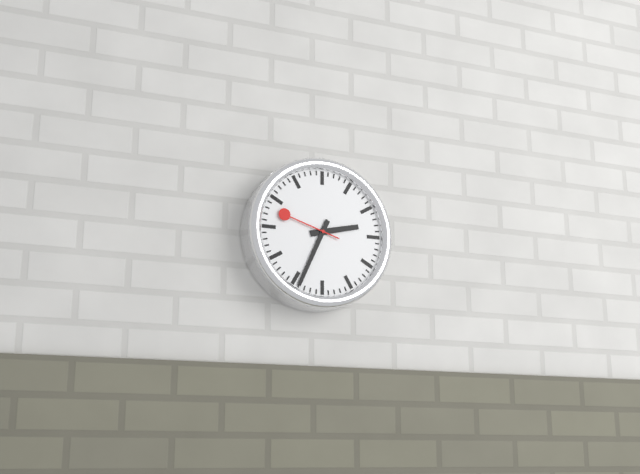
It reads **2:34:48**
